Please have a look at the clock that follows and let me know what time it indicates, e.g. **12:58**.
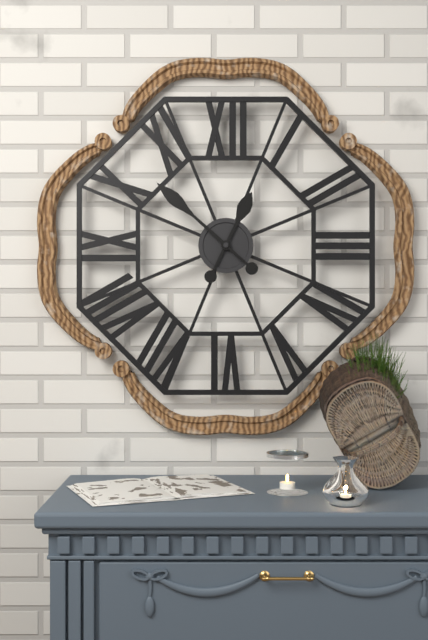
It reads **12:52**
